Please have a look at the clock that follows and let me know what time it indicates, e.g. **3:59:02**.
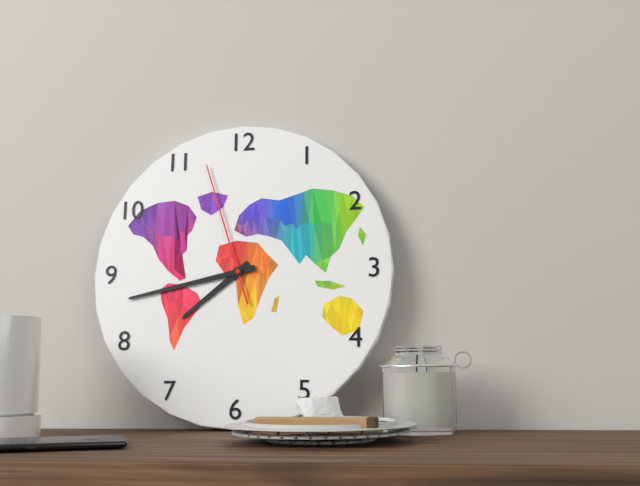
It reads **7:43:57**
